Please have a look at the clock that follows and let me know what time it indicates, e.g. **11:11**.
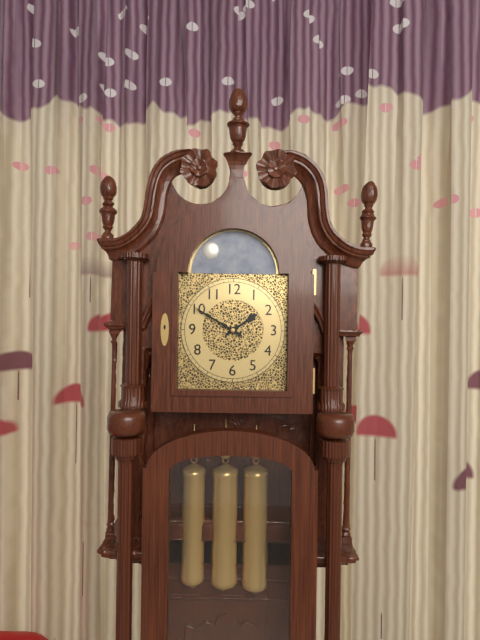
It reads **1:50**
